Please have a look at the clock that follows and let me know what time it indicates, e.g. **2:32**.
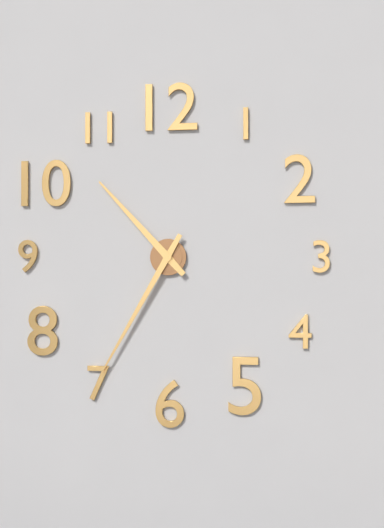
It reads **10:35**
